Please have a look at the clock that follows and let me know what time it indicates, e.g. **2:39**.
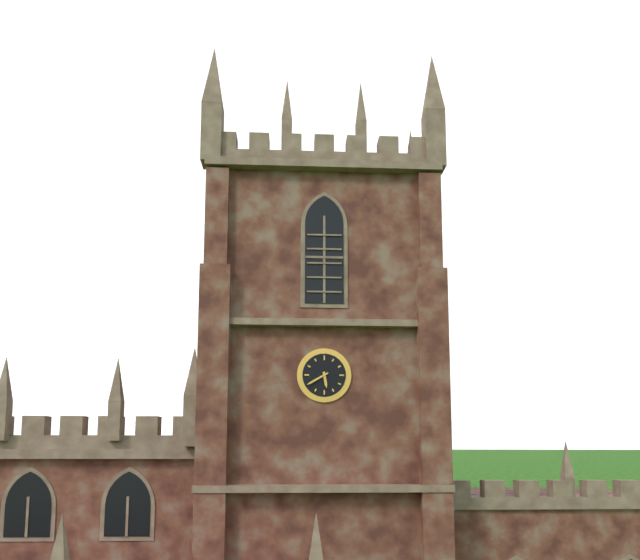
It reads **5:40**
